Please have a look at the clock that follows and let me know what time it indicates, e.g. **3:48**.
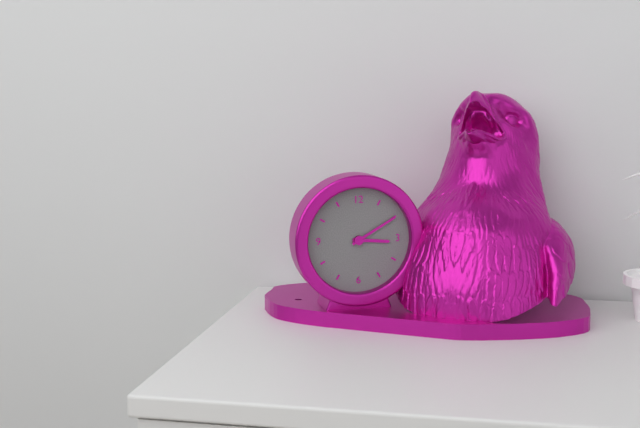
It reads **3:10**
